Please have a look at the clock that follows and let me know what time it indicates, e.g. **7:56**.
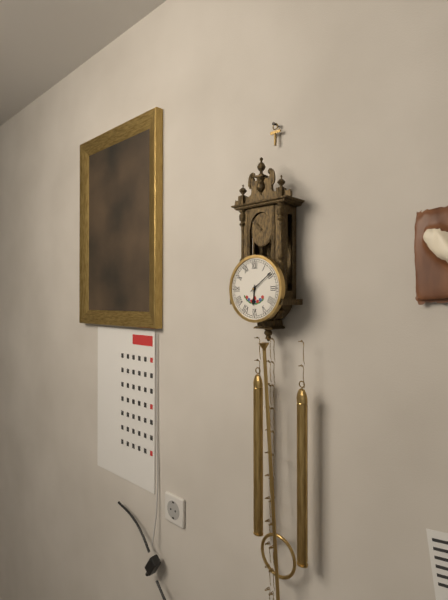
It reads **6:09**
